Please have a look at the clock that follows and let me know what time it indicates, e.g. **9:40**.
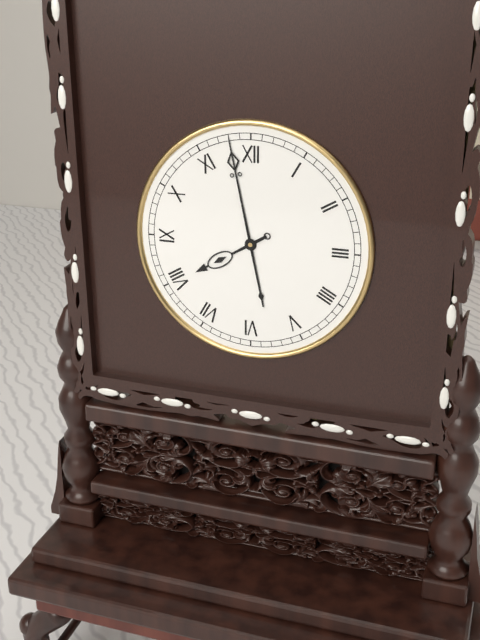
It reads **7:58**
